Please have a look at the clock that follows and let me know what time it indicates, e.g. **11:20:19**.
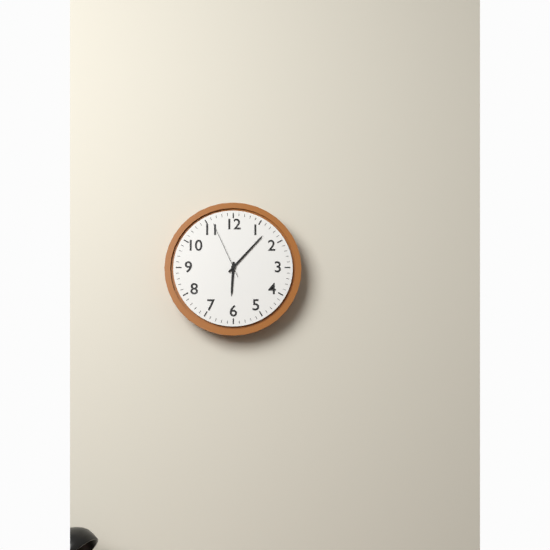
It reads **6:07:56**
